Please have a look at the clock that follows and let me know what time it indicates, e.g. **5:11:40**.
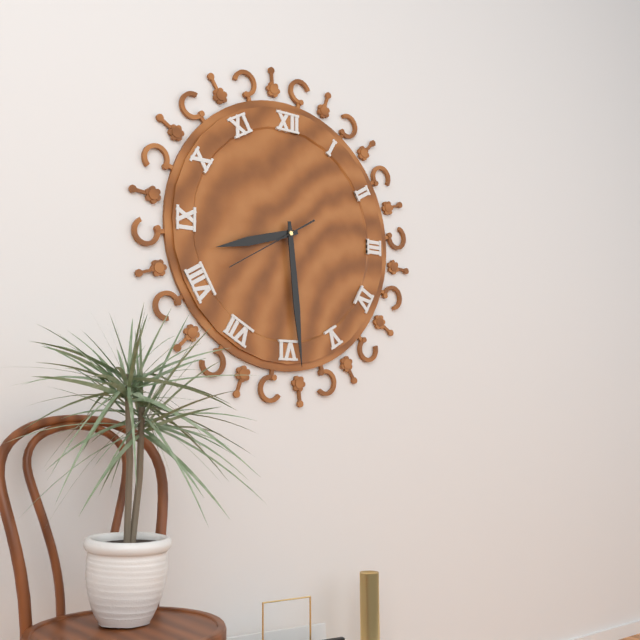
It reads **8:29:40**
